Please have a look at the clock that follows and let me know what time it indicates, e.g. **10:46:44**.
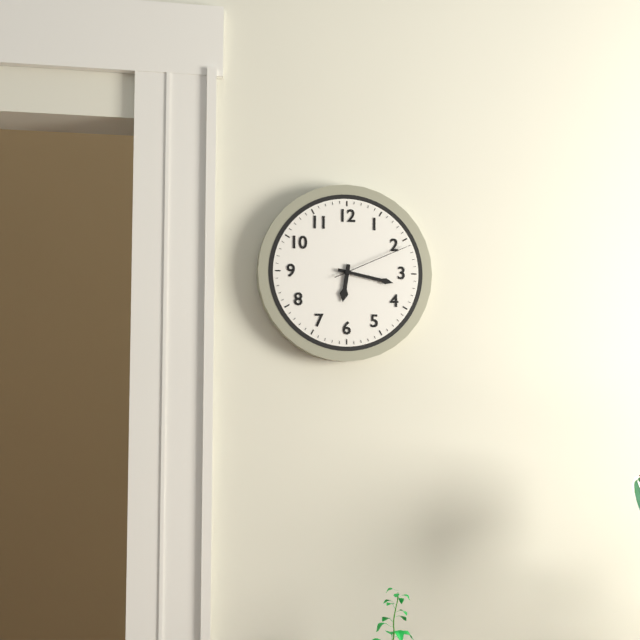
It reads **6:17:11**
